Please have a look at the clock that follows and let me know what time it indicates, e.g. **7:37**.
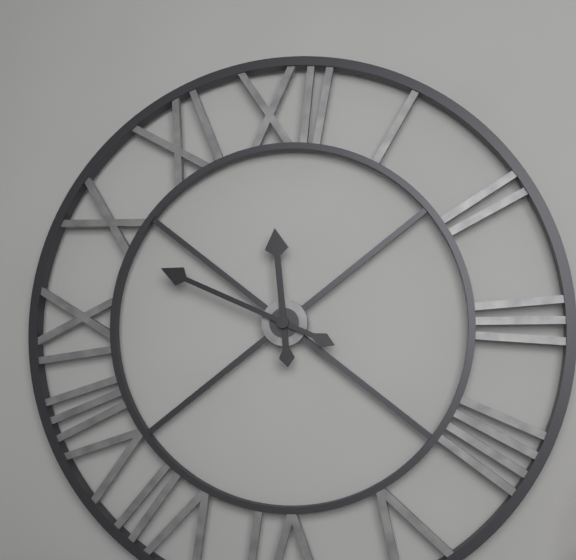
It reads **11:49**
